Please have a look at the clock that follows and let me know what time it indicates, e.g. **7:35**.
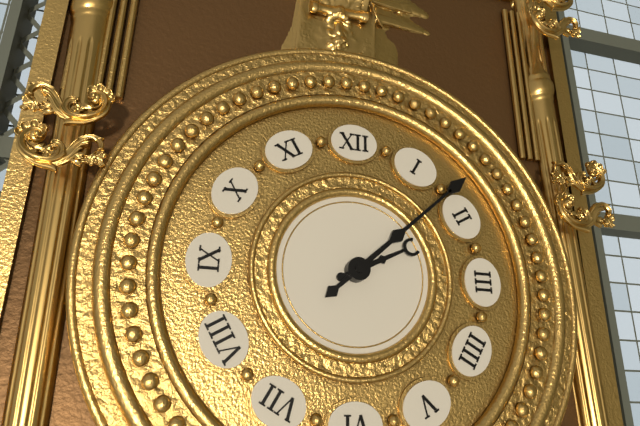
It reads **2:08**
